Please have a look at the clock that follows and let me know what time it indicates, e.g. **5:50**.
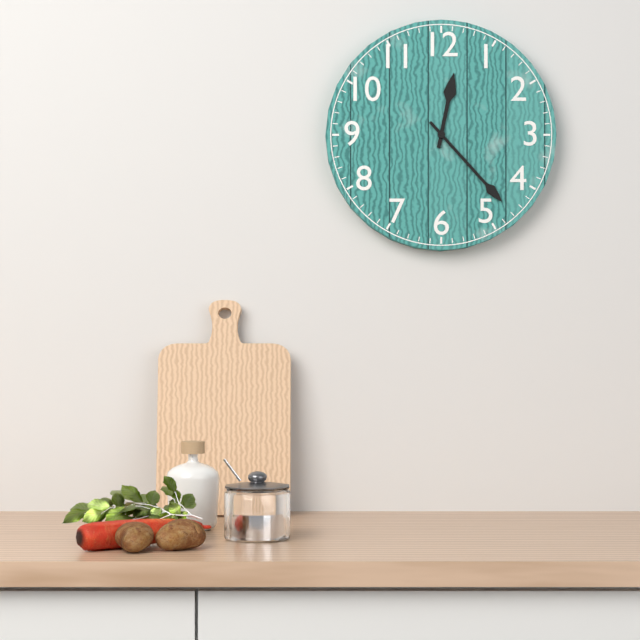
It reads **12:23**
